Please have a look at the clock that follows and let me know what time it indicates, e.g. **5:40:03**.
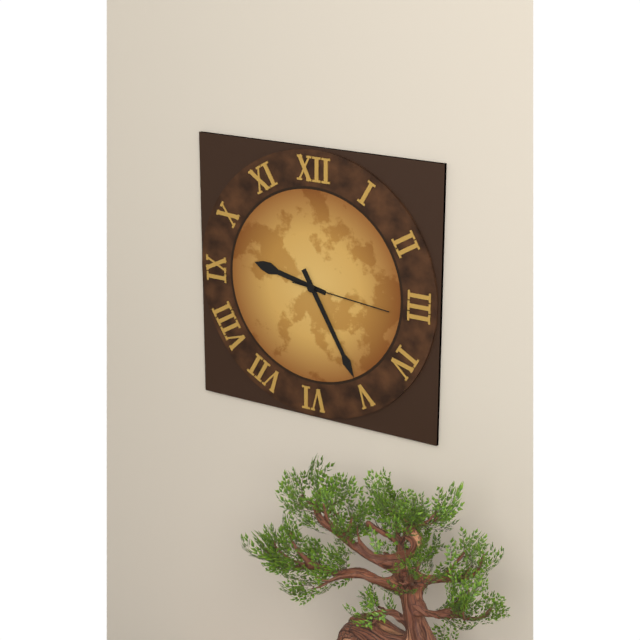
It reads **9:25:16**
